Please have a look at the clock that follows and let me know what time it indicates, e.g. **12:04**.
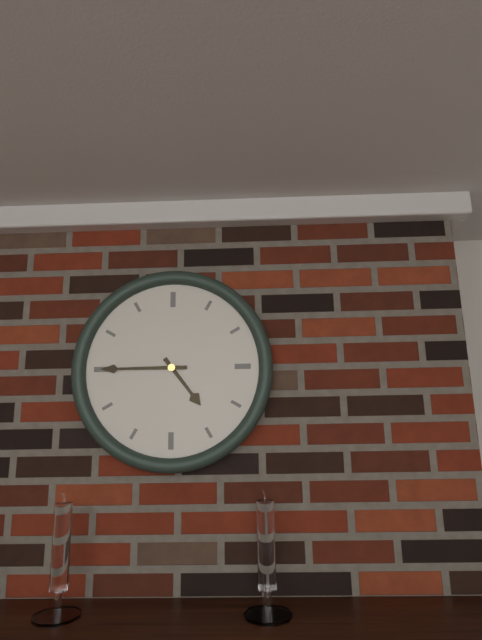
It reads **4:45**
